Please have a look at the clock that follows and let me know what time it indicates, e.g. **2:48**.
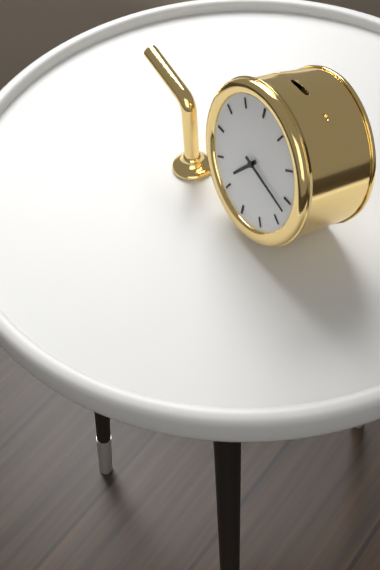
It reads **7:17**
